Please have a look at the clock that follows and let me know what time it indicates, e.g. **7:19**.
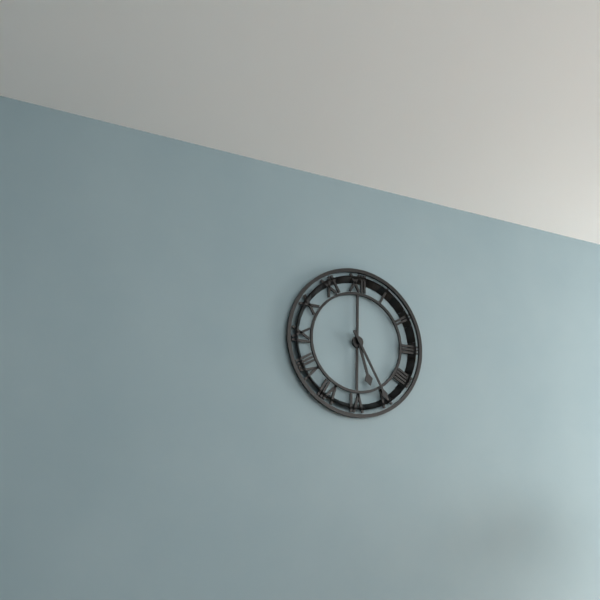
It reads **5:25**
